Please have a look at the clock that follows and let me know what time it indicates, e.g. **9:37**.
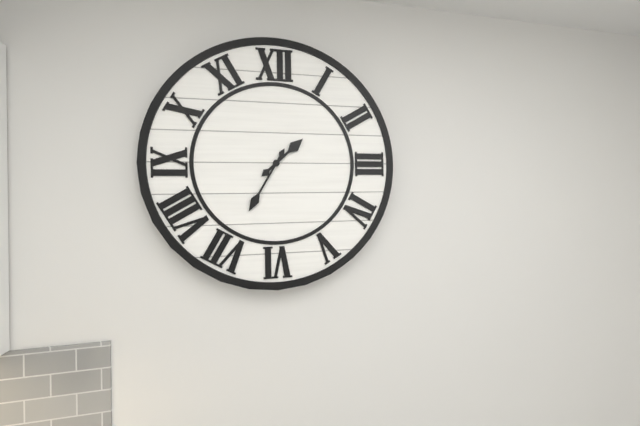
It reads **1:35**
